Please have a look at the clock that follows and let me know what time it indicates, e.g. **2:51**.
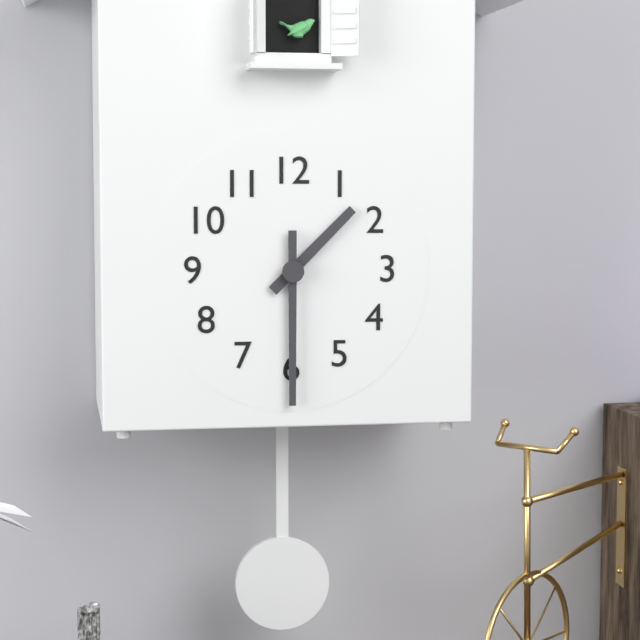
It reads **1:30**
